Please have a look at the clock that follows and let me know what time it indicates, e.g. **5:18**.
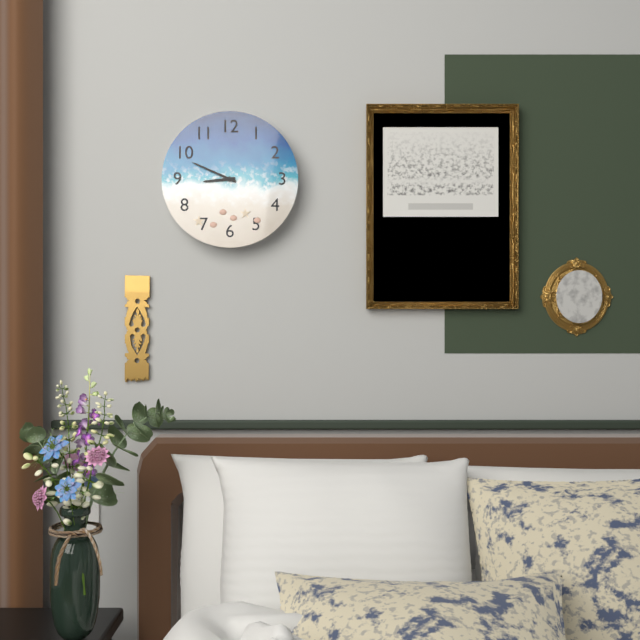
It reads **8:49**
